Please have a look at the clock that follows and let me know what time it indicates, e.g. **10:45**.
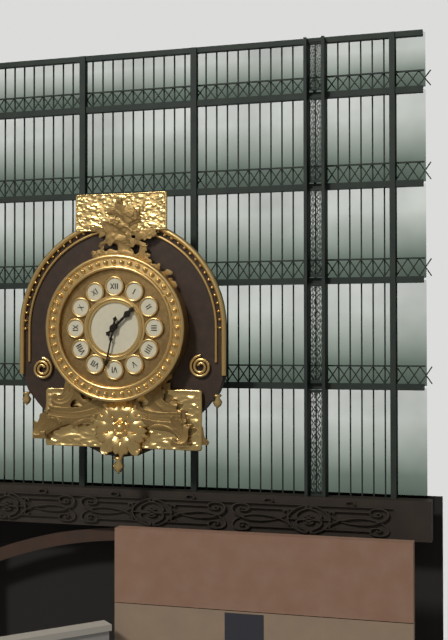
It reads **1:32**
